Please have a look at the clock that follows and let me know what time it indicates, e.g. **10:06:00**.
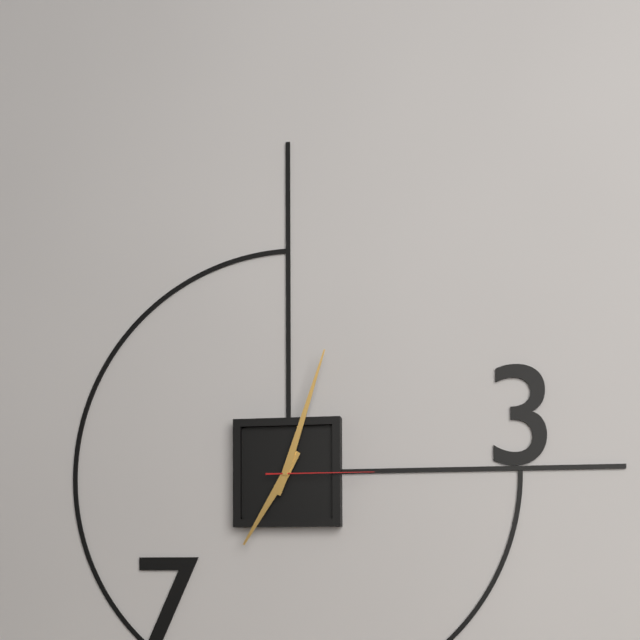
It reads **7:03:15**
